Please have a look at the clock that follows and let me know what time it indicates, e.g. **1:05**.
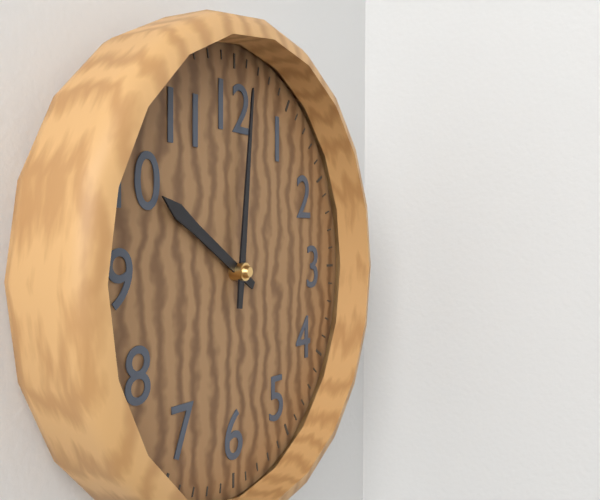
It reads **10:01**
